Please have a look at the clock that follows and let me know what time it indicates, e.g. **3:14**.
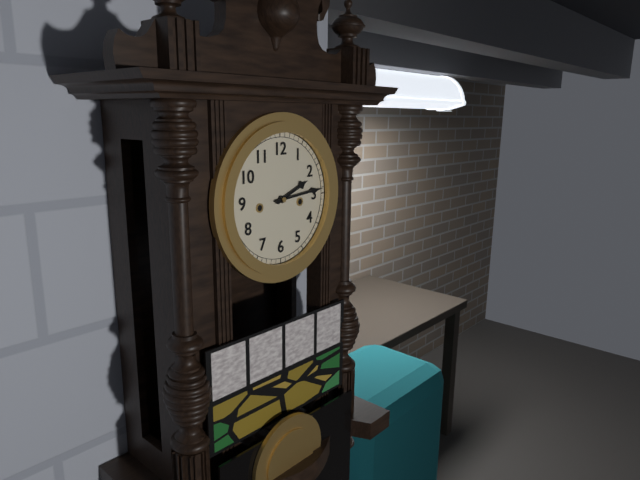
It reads **2:14**
